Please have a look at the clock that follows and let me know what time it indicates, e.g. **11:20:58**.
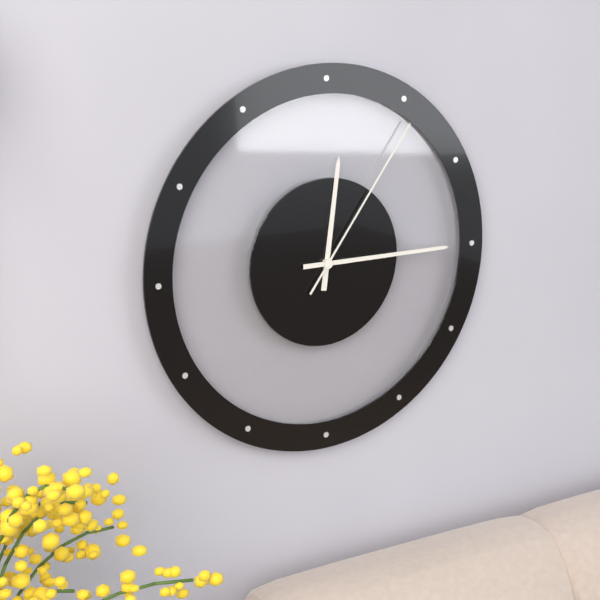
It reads **12:15:06**
